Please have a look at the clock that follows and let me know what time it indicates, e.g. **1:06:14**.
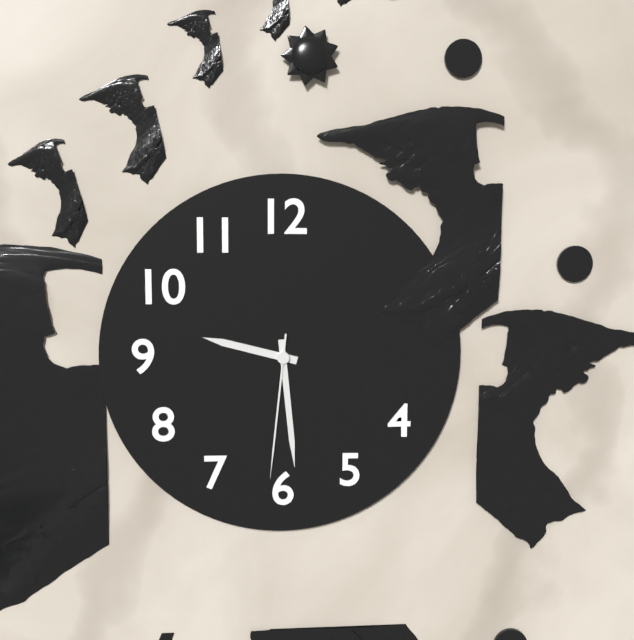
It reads **9:29:31**
